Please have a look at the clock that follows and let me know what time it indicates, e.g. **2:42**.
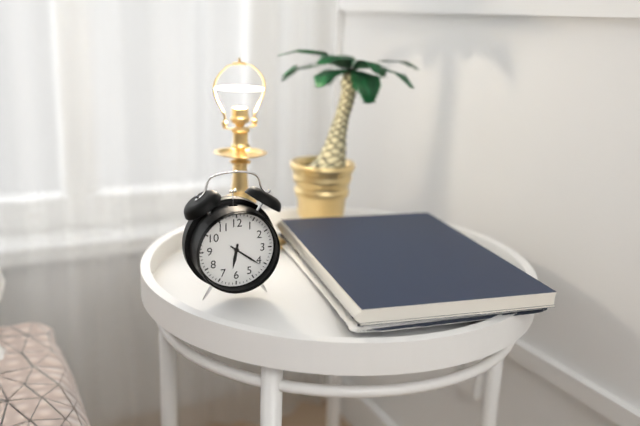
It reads **6:21**
